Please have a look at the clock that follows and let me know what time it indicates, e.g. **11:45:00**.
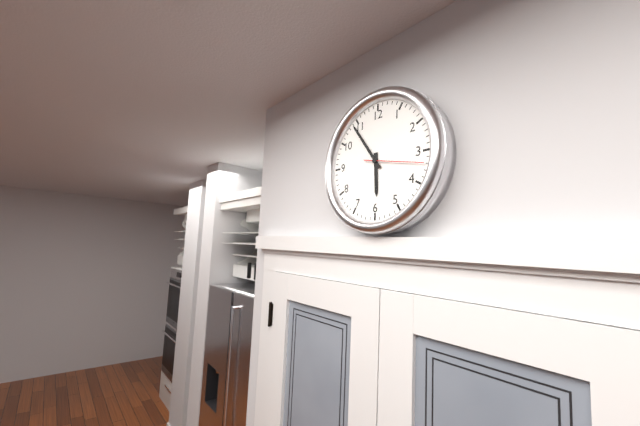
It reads **5:54:17**
